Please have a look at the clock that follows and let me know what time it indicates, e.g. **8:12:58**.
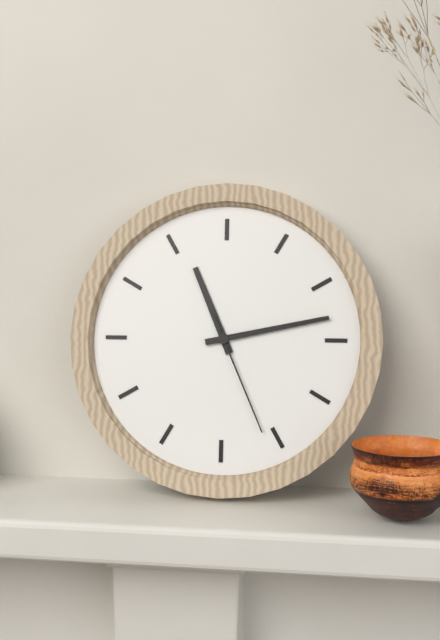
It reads **11:13:26**
